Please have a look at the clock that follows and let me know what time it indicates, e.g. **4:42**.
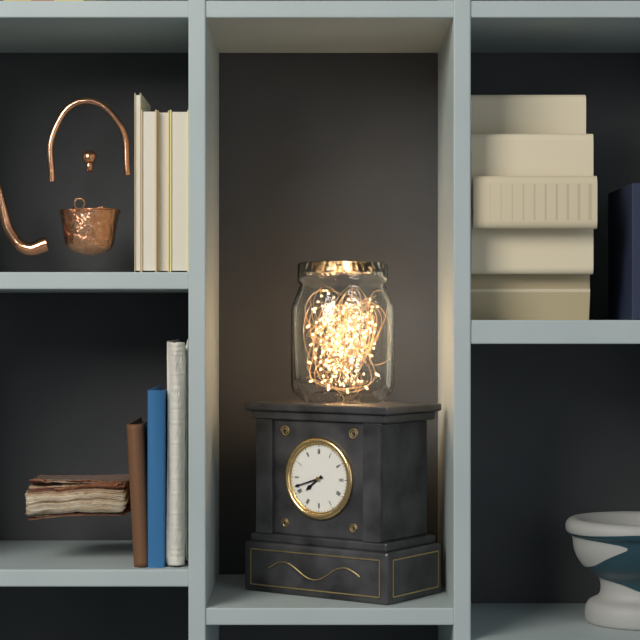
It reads **7:42**
